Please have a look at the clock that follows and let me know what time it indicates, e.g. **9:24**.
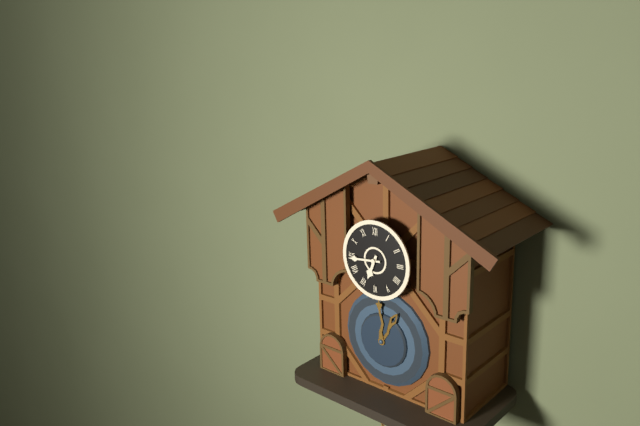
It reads **6:44**
